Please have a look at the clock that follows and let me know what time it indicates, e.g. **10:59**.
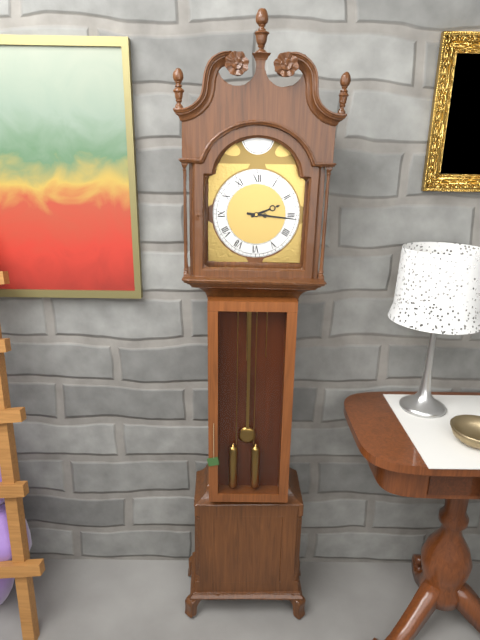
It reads **2:16**
